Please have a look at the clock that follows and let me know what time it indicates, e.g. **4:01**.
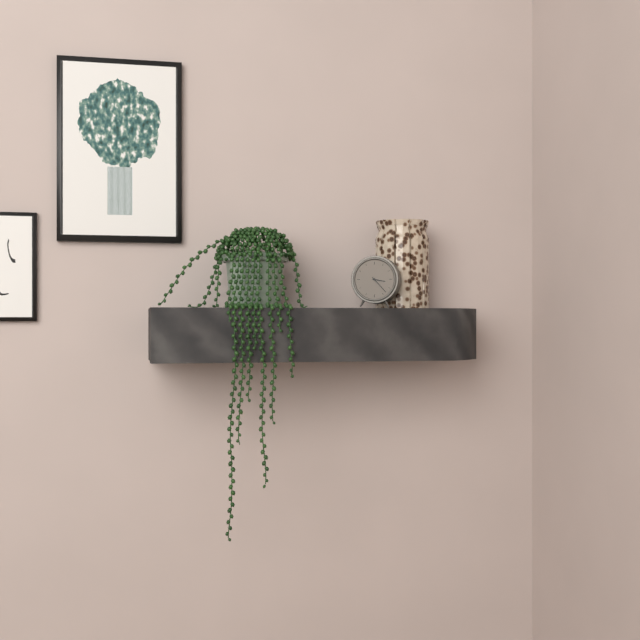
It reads **3:23**
